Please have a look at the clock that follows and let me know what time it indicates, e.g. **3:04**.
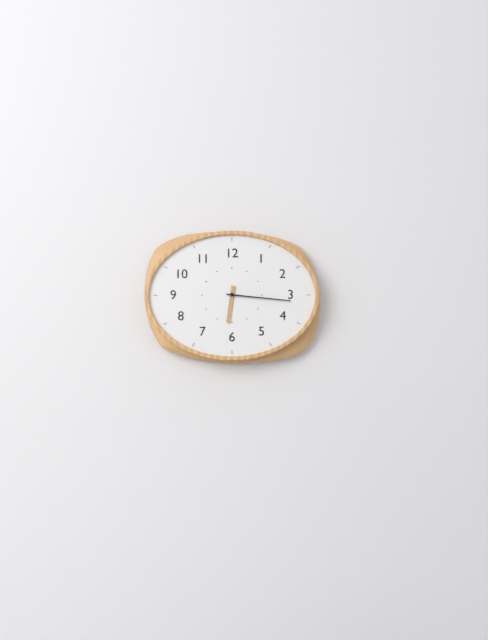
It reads **6:16**
